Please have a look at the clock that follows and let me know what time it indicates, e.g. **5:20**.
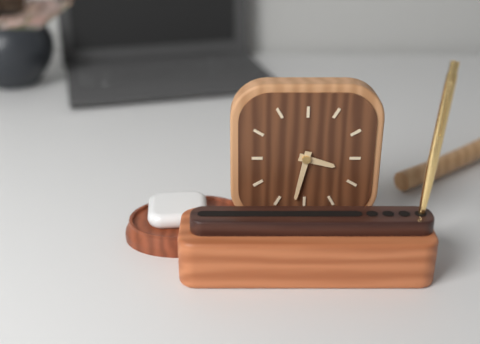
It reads **3:32**
